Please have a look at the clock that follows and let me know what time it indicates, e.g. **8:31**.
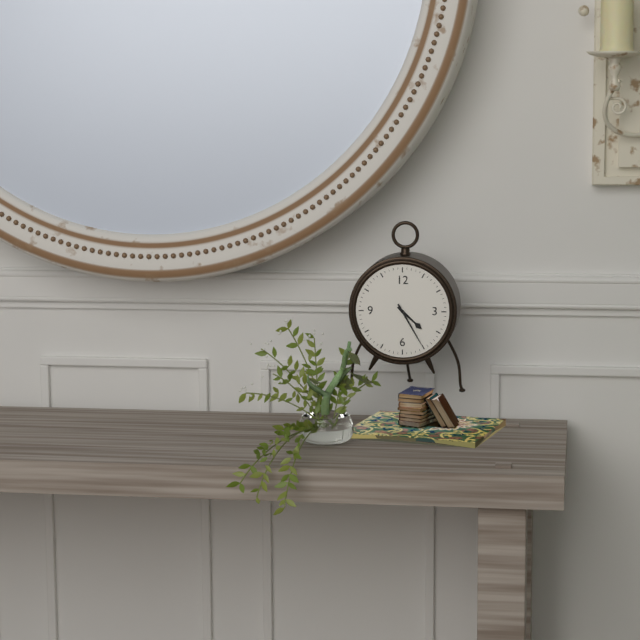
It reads **4:25**
